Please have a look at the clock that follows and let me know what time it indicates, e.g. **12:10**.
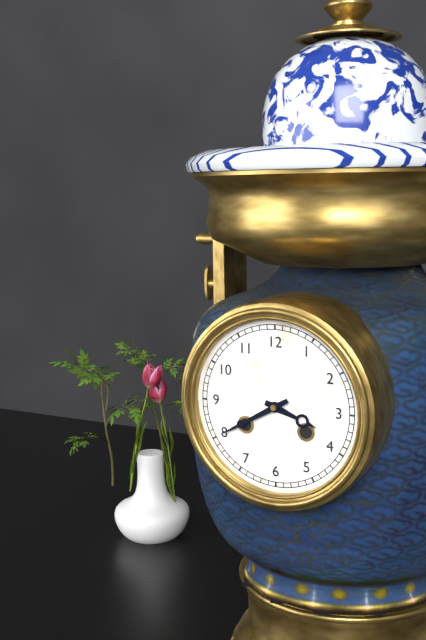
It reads **3:40**
